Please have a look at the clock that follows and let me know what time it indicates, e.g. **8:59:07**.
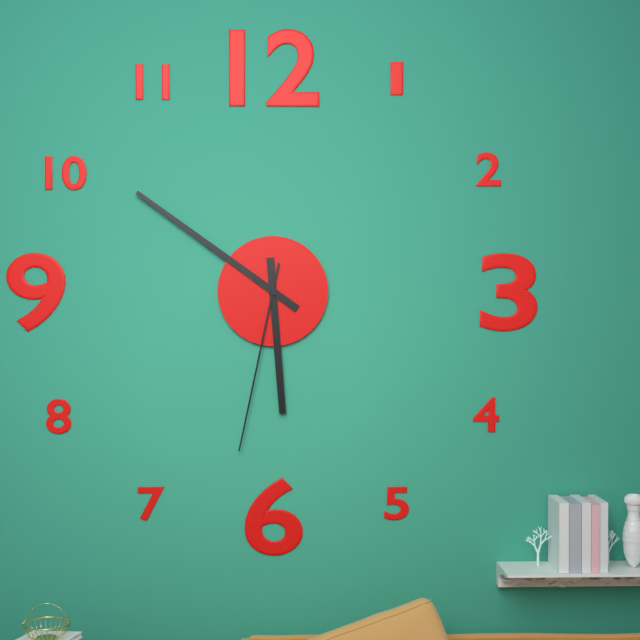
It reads **5:51:32**
